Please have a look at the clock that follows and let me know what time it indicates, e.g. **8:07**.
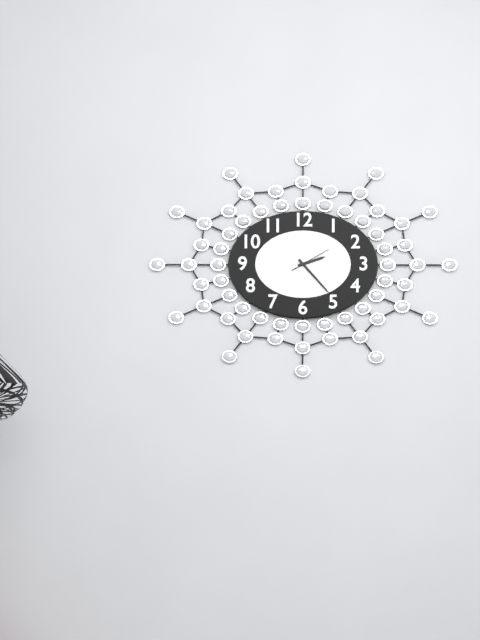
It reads **2:23**
